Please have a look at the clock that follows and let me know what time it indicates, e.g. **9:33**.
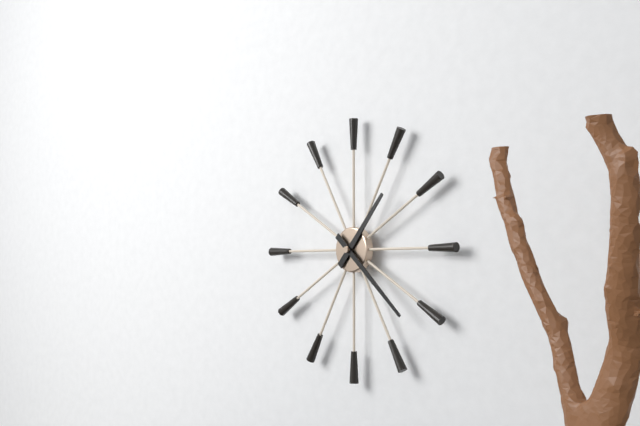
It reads **1:22**
